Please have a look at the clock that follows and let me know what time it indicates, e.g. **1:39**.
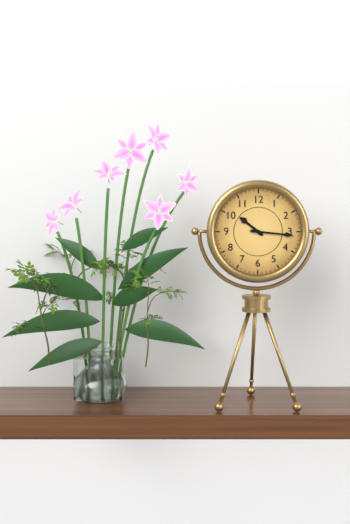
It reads **10:16**
